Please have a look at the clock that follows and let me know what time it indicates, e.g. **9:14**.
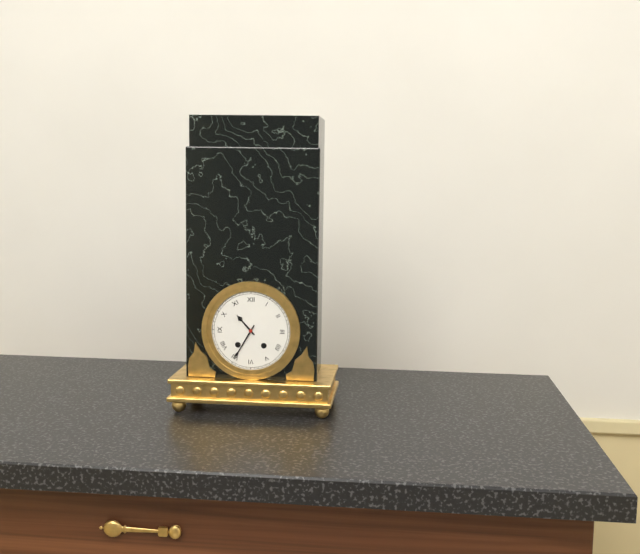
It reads **10:35**
